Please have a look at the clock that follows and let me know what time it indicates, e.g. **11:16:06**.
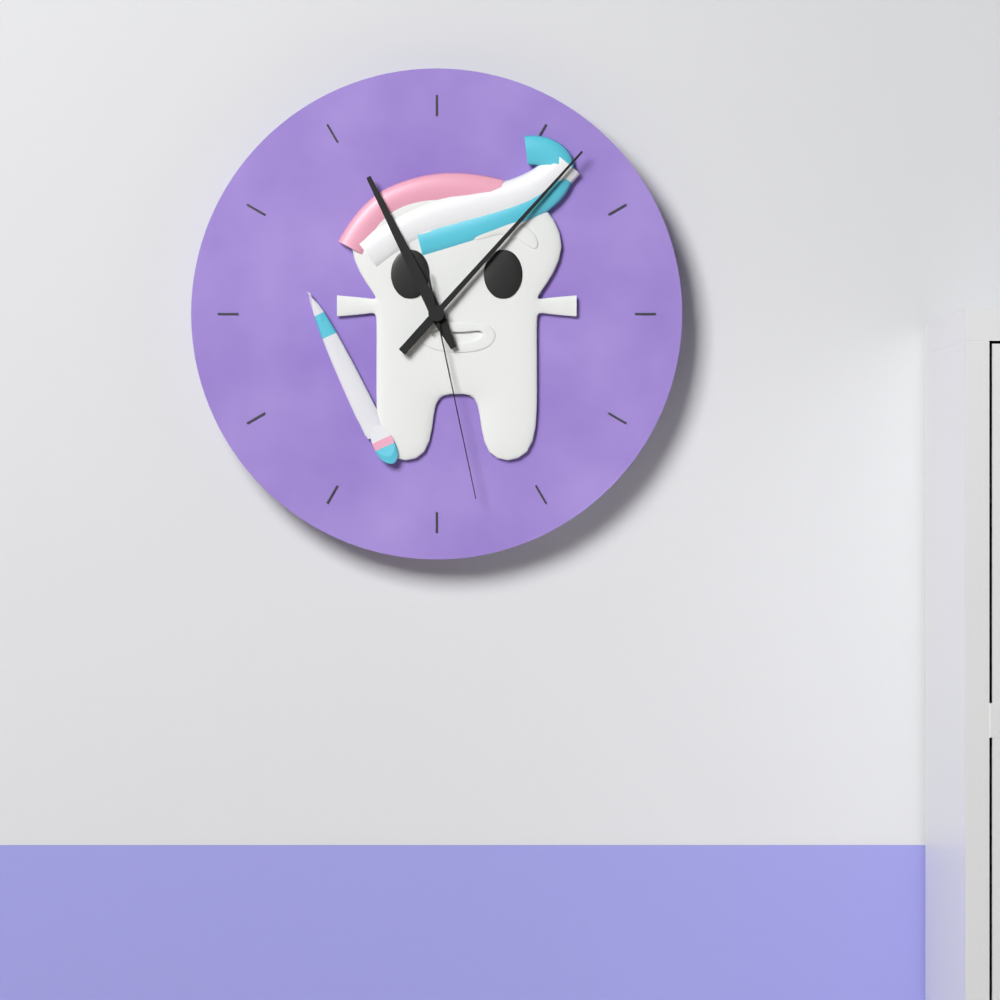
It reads **11:07:28**
